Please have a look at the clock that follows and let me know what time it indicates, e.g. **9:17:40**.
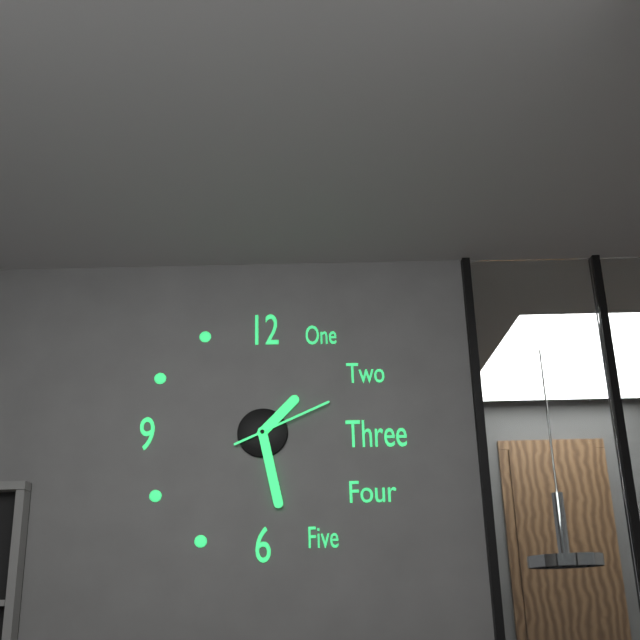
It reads **1:28:11**
